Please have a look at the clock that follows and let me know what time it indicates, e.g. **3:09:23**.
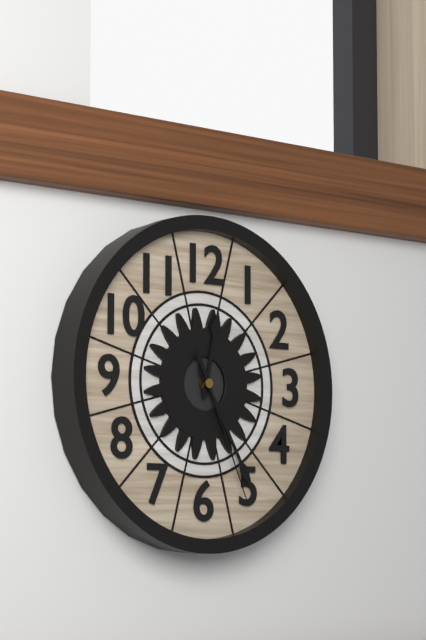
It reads **12:25:26**
